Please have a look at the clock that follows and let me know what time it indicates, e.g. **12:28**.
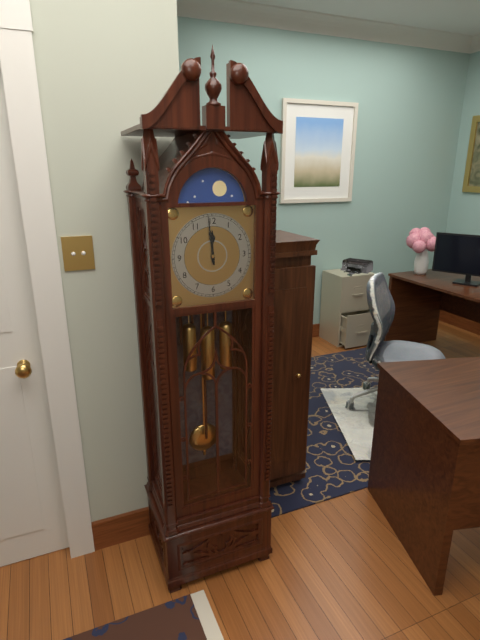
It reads **11:59**
